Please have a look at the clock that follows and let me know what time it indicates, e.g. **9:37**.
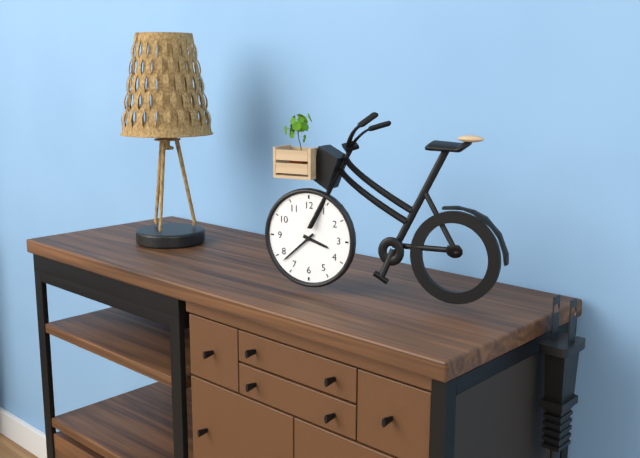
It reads **3:38**
